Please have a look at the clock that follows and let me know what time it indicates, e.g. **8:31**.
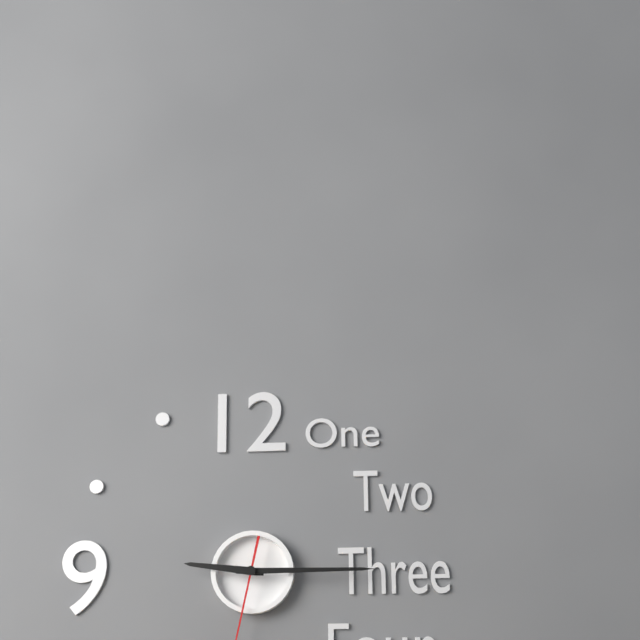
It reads **9:15**
